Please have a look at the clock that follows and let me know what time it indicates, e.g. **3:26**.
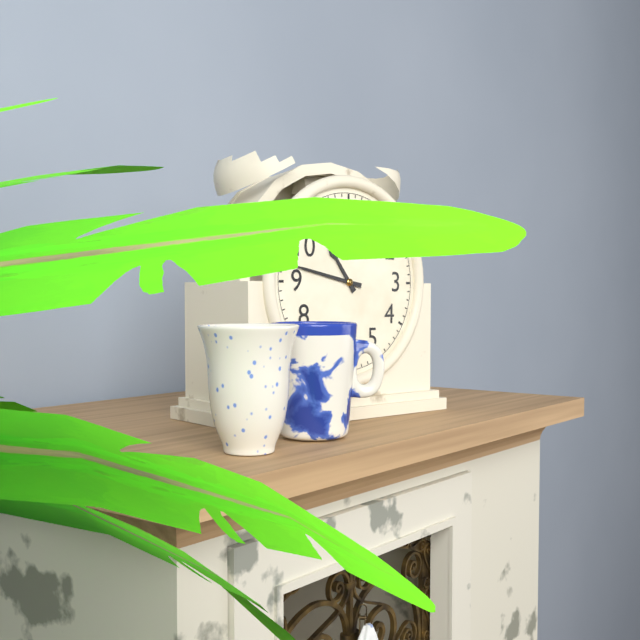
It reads **10:47**
